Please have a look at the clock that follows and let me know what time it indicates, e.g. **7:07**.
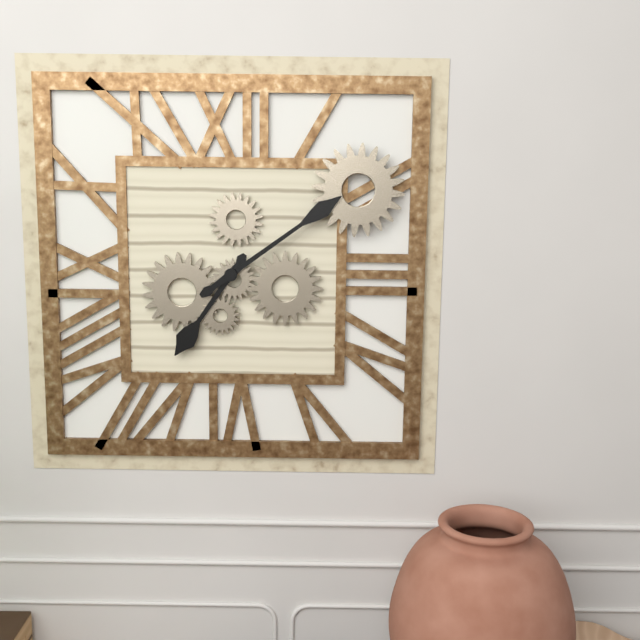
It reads **7:09**
